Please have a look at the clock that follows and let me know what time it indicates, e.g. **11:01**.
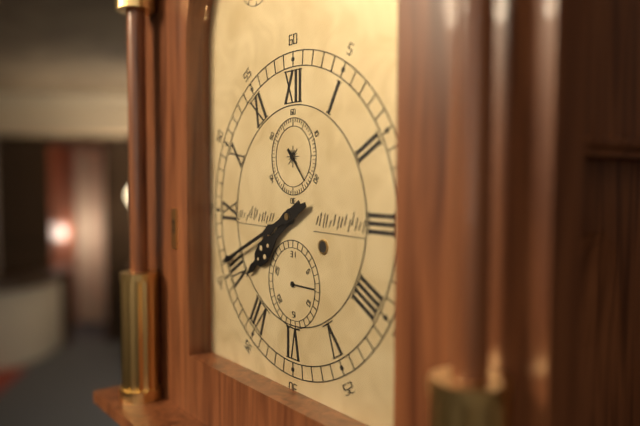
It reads **7:41**
